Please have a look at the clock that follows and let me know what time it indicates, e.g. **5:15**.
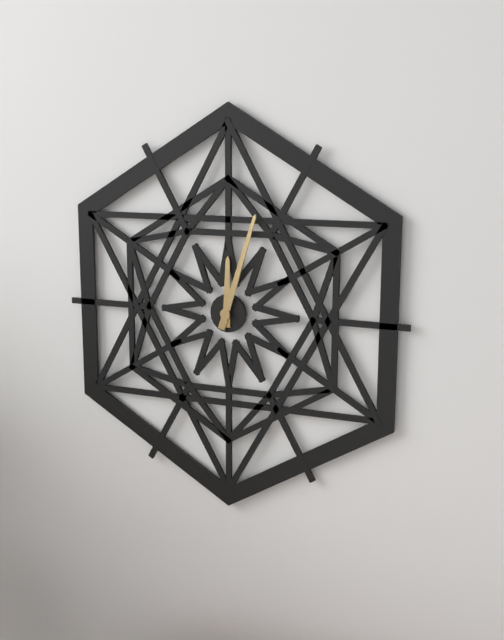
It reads **12:03**
